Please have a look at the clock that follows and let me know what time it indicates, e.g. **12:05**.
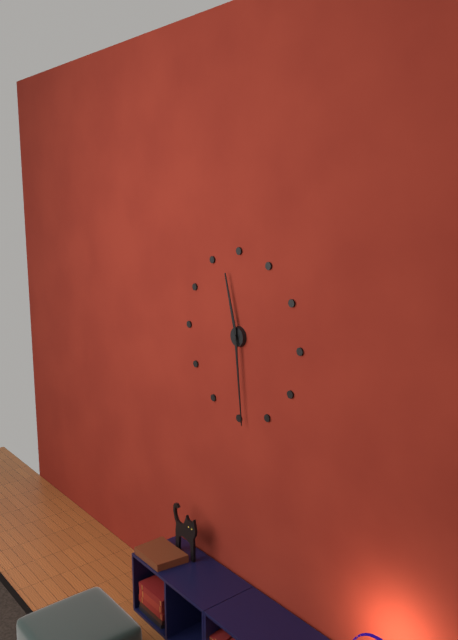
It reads **11:29**
